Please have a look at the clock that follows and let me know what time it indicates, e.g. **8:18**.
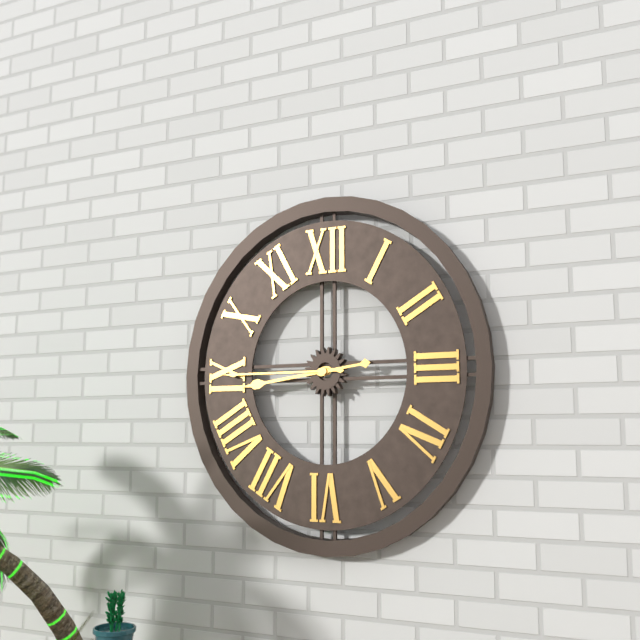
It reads **8:45**
